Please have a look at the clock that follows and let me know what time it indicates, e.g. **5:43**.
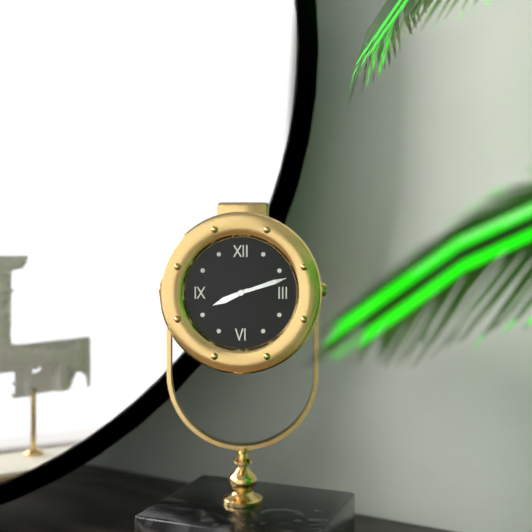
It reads **8:12**
